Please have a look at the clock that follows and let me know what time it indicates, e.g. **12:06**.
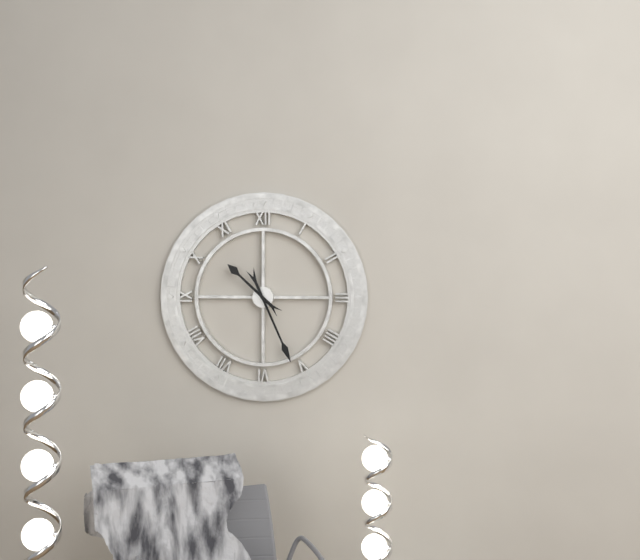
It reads **10:26**
